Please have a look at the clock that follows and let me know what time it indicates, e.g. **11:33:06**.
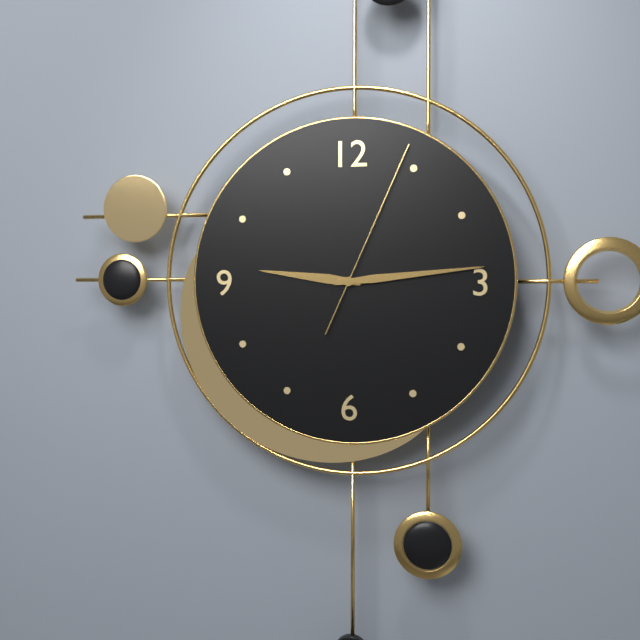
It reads **9:14:04**
